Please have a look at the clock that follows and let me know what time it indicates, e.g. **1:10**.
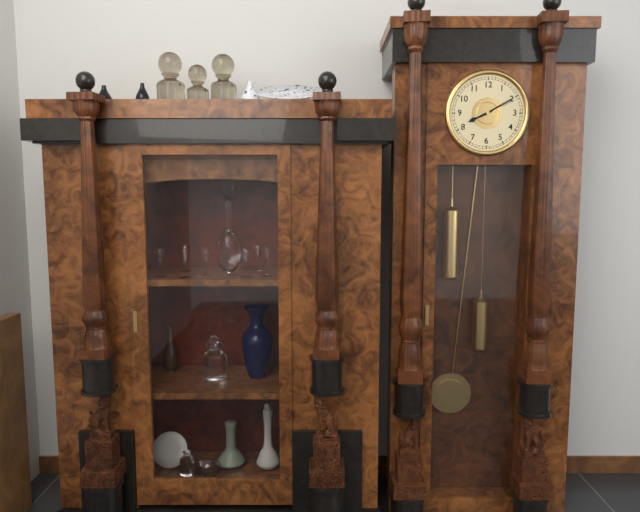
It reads **8:10**
